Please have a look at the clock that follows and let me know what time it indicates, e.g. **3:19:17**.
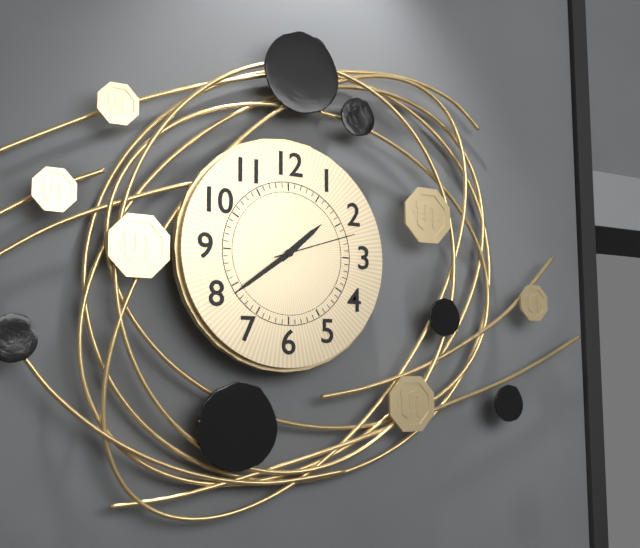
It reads **1:39:12**
